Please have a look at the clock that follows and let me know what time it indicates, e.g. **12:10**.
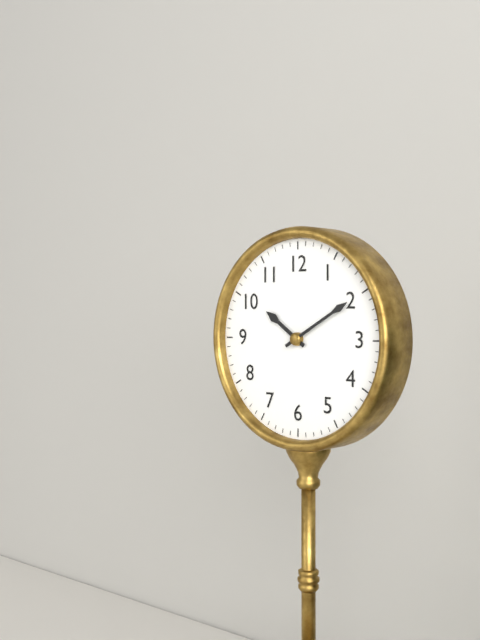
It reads **10:10**
